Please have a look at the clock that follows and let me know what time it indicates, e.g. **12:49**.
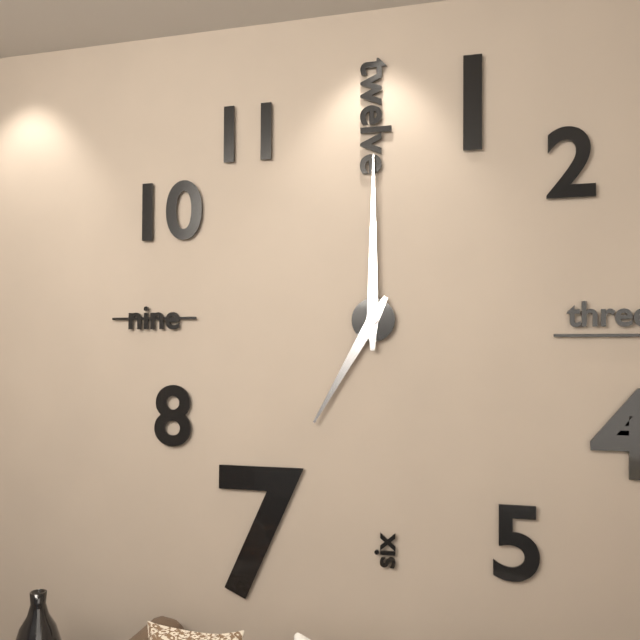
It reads **7:00**
